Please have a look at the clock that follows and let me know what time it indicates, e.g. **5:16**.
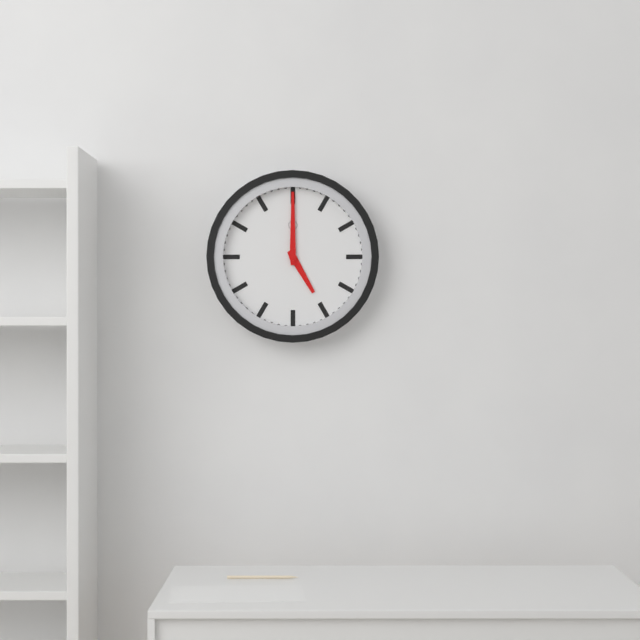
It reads **5:00**
